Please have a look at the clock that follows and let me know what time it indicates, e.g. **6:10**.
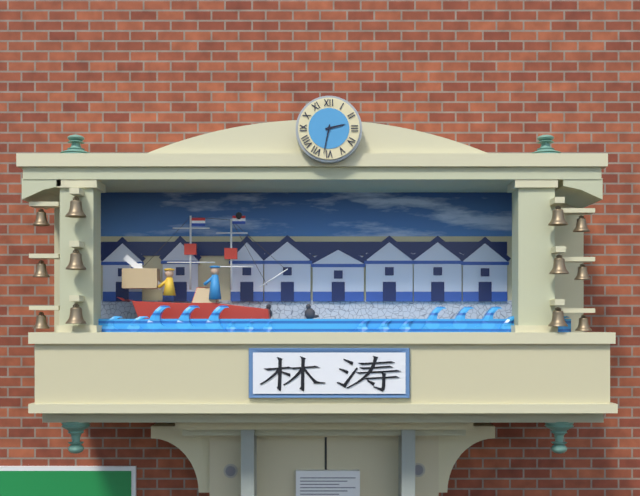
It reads **2:32**
